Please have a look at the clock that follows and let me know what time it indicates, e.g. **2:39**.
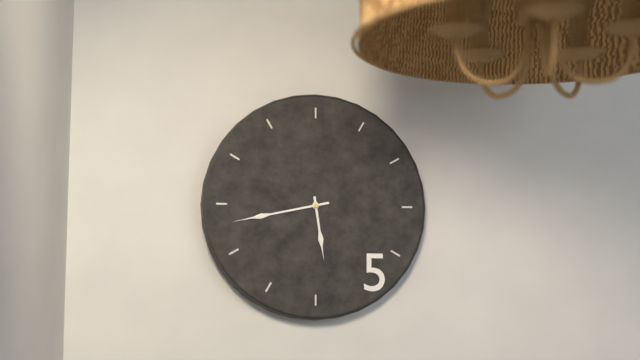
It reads **5:43**
